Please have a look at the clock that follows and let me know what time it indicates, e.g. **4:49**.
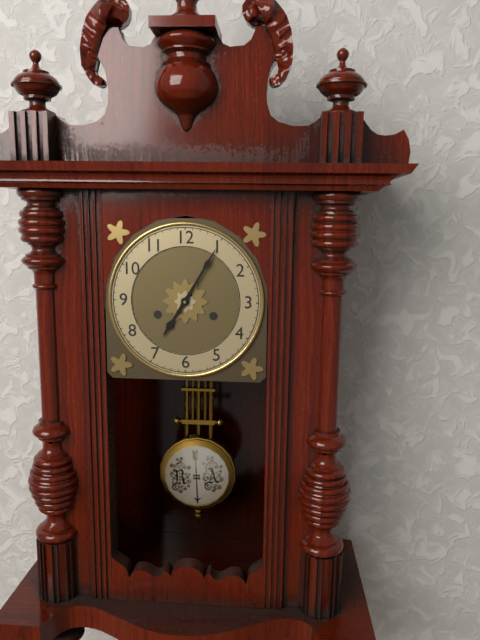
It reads **7:05**
